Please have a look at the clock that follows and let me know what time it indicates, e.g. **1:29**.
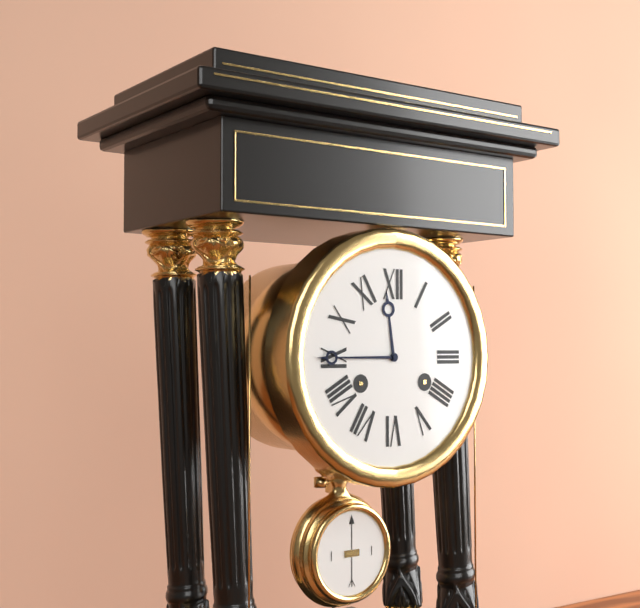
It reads **11:45**
